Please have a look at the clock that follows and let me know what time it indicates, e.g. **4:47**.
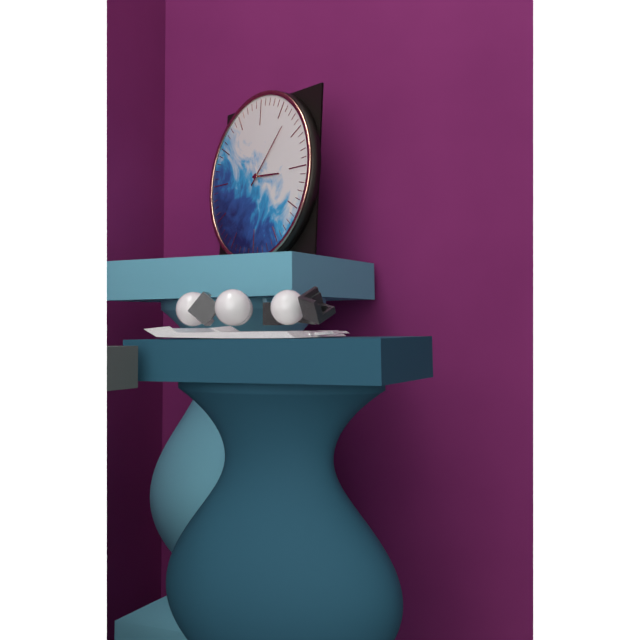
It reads **3:07**
